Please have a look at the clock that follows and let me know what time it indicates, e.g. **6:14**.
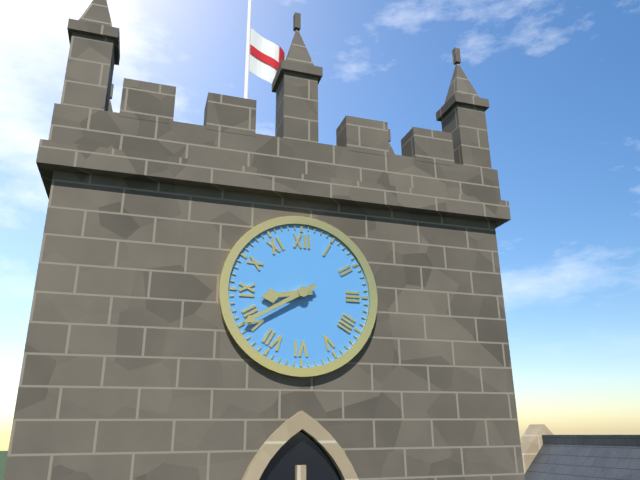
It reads **8:40**
